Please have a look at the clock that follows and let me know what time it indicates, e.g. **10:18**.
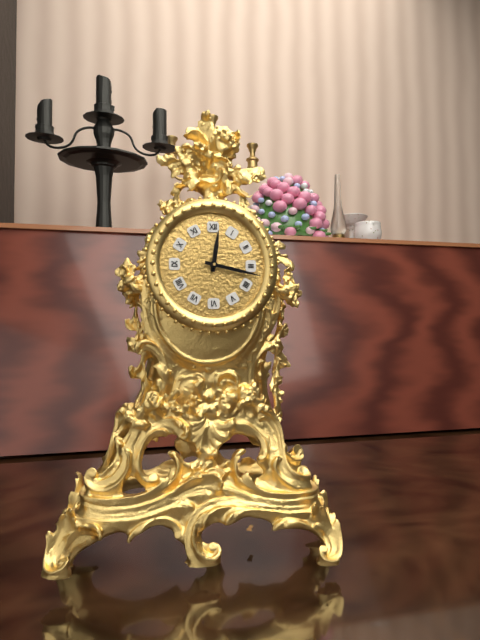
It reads **12:17**
